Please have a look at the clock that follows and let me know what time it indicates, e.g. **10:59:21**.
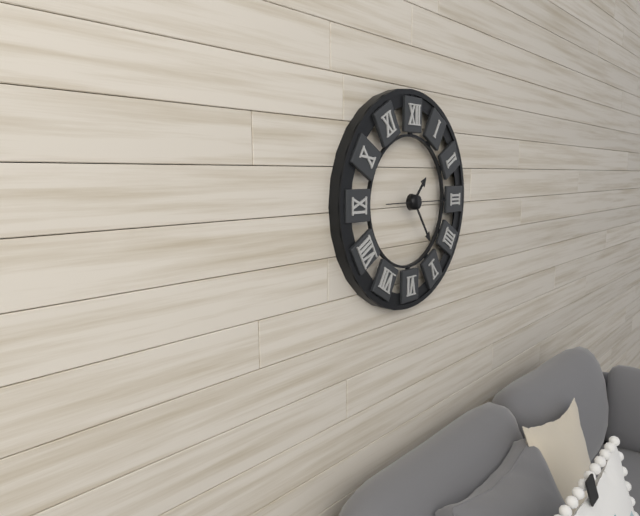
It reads **1:24:15**
